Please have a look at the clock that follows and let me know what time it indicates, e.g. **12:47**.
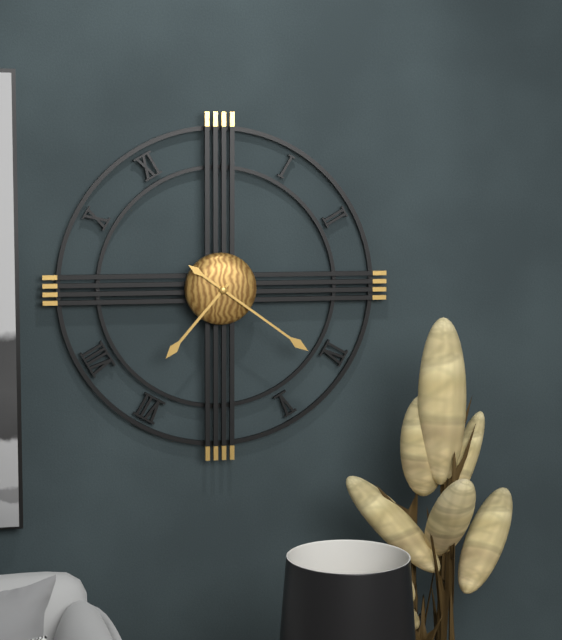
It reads **7:21**
